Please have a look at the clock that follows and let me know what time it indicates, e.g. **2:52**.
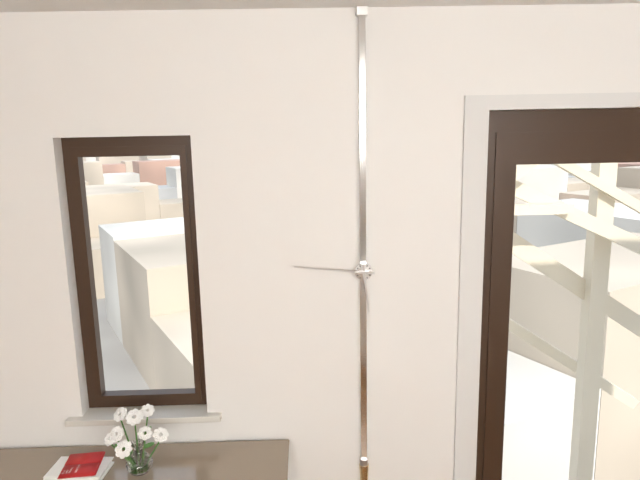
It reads **5:46**
